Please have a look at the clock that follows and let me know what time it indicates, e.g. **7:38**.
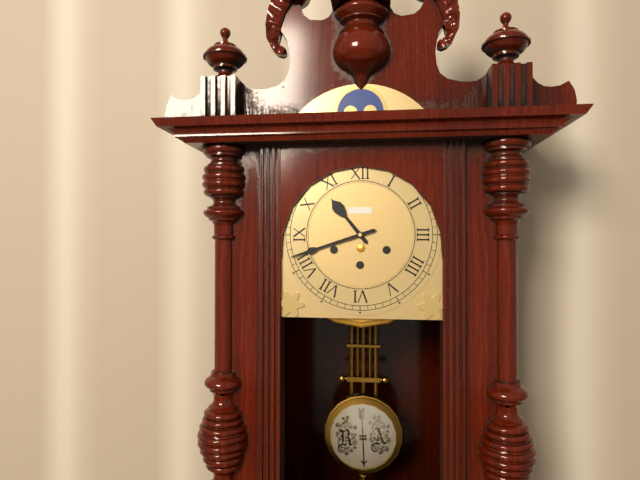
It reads **10:42**
